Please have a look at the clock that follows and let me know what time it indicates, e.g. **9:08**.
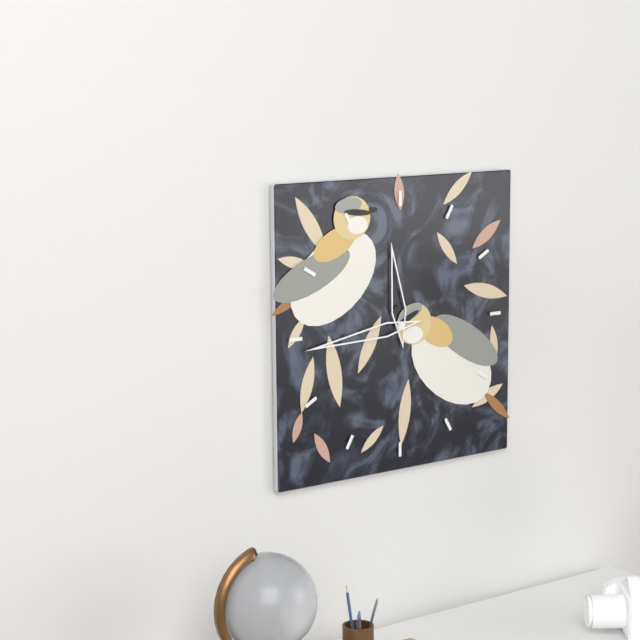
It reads **11:44**
